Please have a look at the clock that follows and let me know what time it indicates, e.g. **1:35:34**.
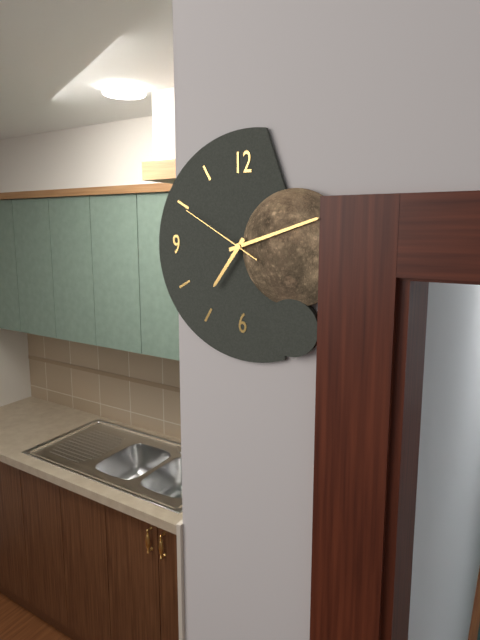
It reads **7:12:50**
